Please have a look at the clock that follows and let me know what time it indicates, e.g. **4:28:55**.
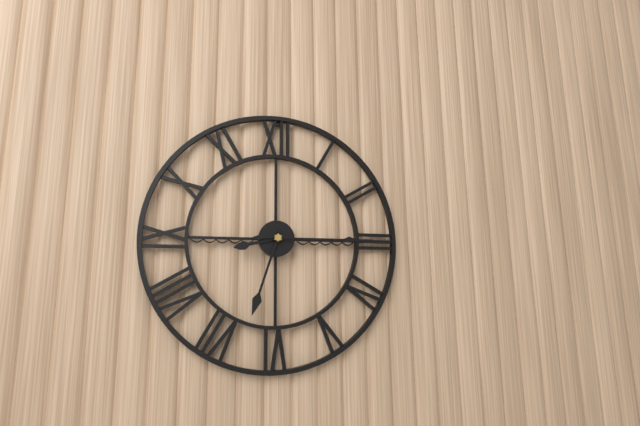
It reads **8:33:15**
